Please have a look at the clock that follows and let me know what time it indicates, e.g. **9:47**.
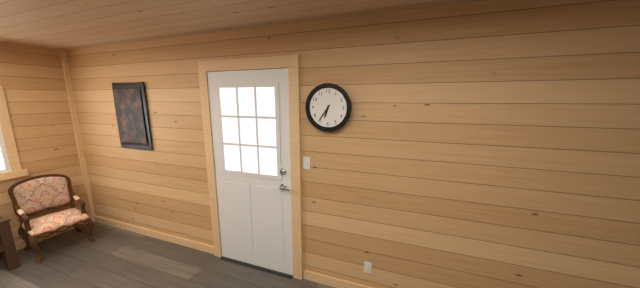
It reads **6:36**
